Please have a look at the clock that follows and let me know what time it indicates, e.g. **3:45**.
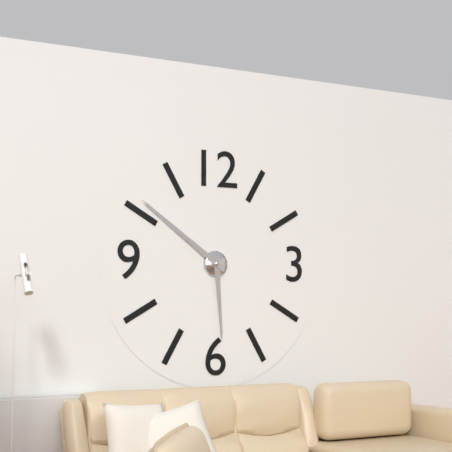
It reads **5:51**
